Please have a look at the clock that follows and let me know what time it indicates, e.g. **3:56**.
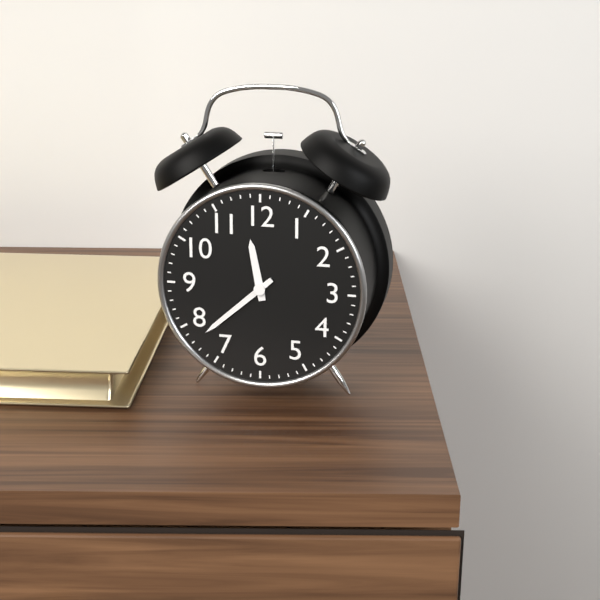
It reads **11:38**
